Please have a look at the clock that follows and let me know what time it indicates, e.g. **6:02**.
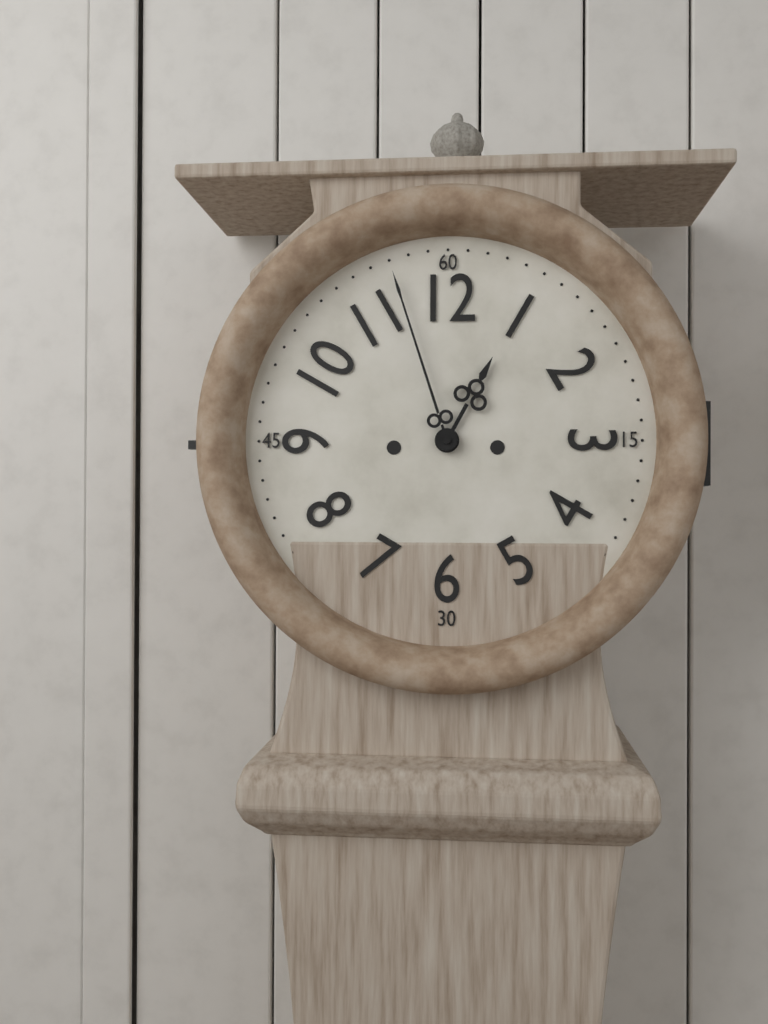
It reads **12:57**
